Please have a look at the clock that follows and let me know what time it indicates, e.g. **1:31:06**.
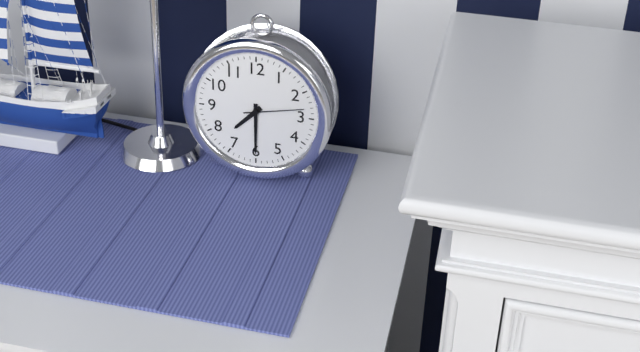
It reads **7:30:13**
